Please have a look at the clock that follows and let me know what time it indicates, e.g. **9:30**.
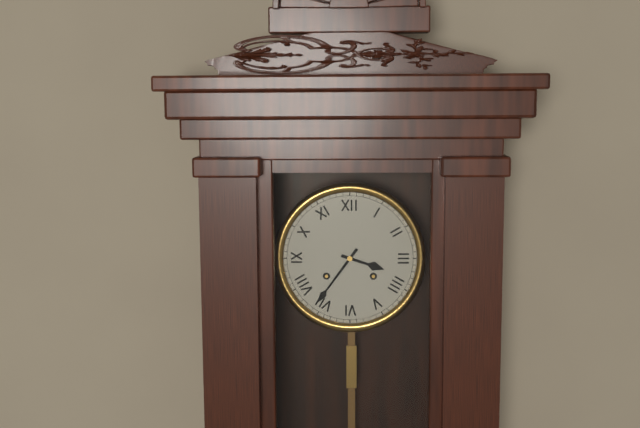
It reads **3:36**
